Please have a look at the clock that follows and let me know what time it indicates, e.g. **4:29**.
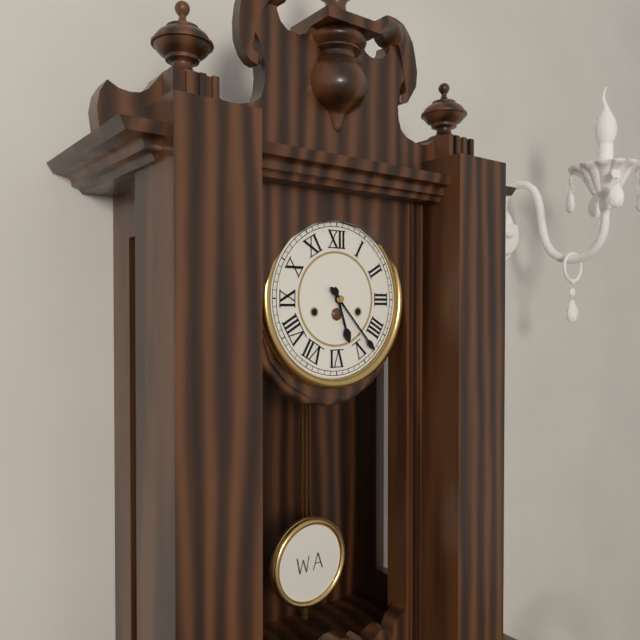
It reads **5:23**
